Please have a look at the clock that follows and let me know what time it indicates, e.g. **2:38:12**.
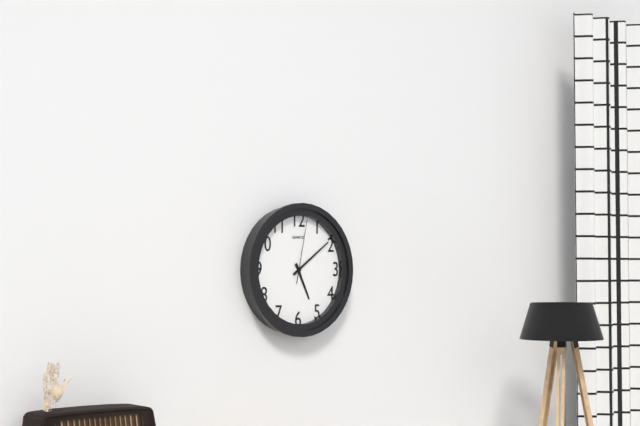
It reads **5:09:02**
